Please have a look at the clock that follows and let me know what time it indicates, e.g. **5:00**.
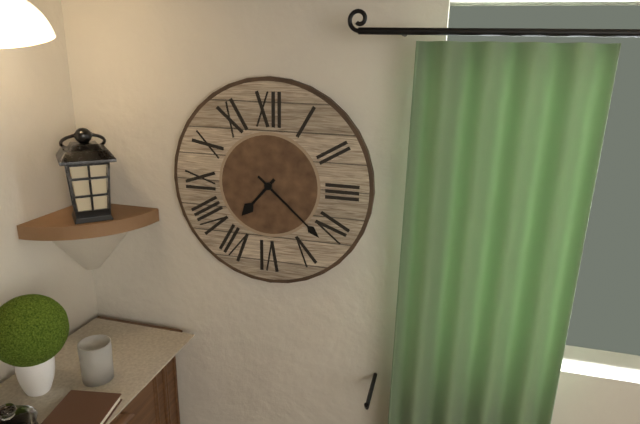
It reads **7:22**
